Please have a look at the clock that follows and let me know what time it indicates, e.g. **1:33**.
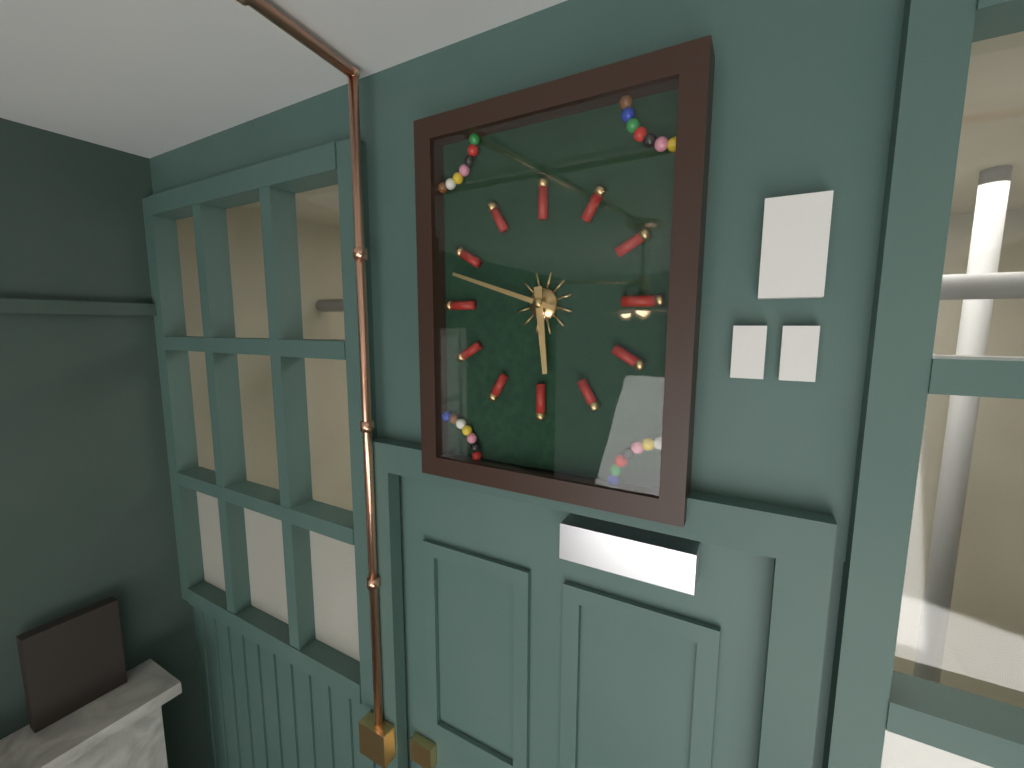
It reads **5:48**
